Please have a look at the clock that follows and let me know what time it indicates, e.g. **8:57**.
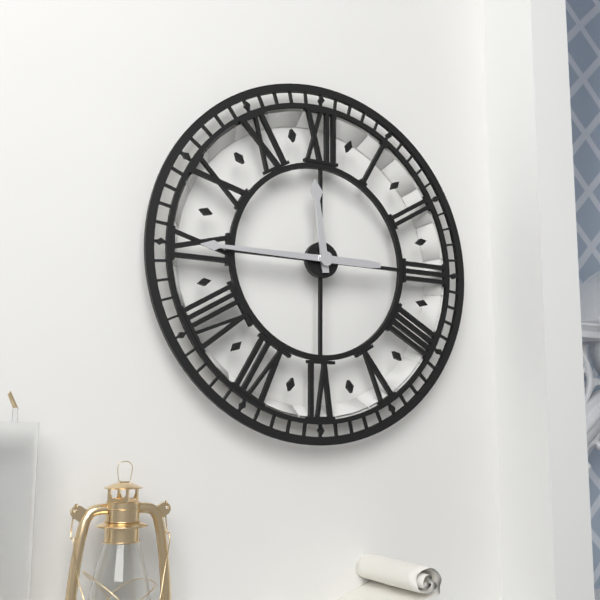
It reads **11:45**
